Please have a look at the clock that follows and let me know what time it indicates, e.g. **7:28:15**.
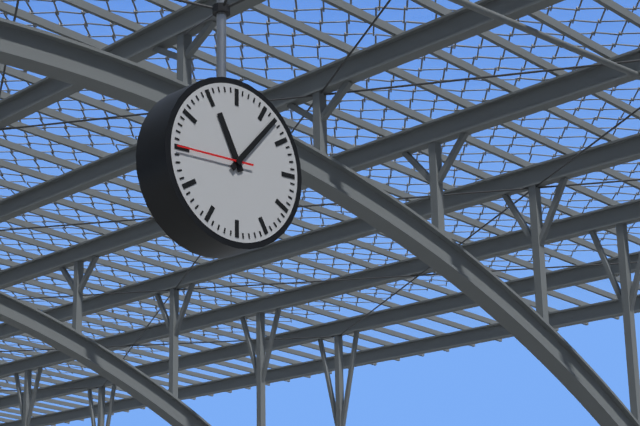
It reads **11:07:45**
